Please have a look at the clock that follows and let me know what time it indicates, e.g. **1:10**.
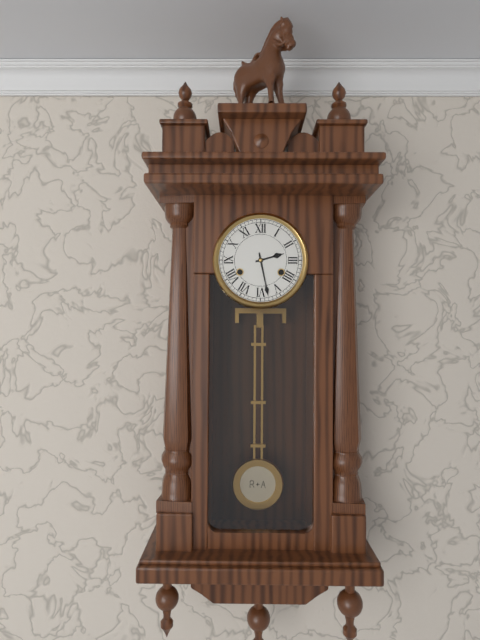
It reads **2:28**
